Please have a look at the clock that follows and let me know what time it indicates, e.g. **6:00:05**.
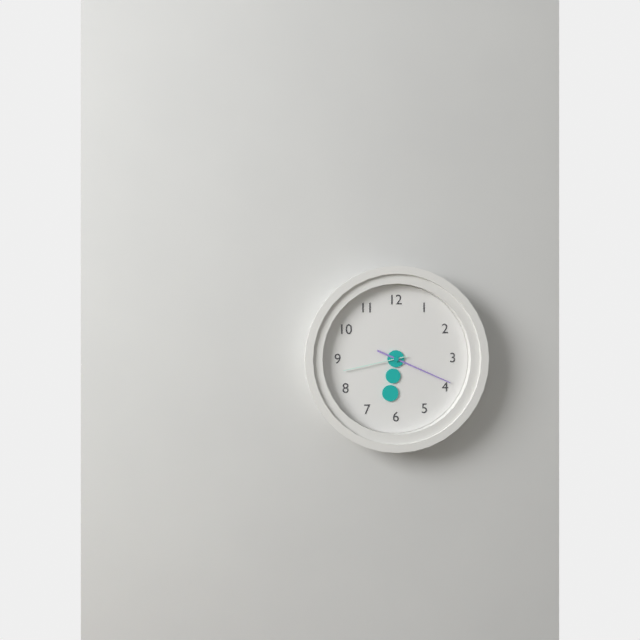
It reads **6:19:43**
